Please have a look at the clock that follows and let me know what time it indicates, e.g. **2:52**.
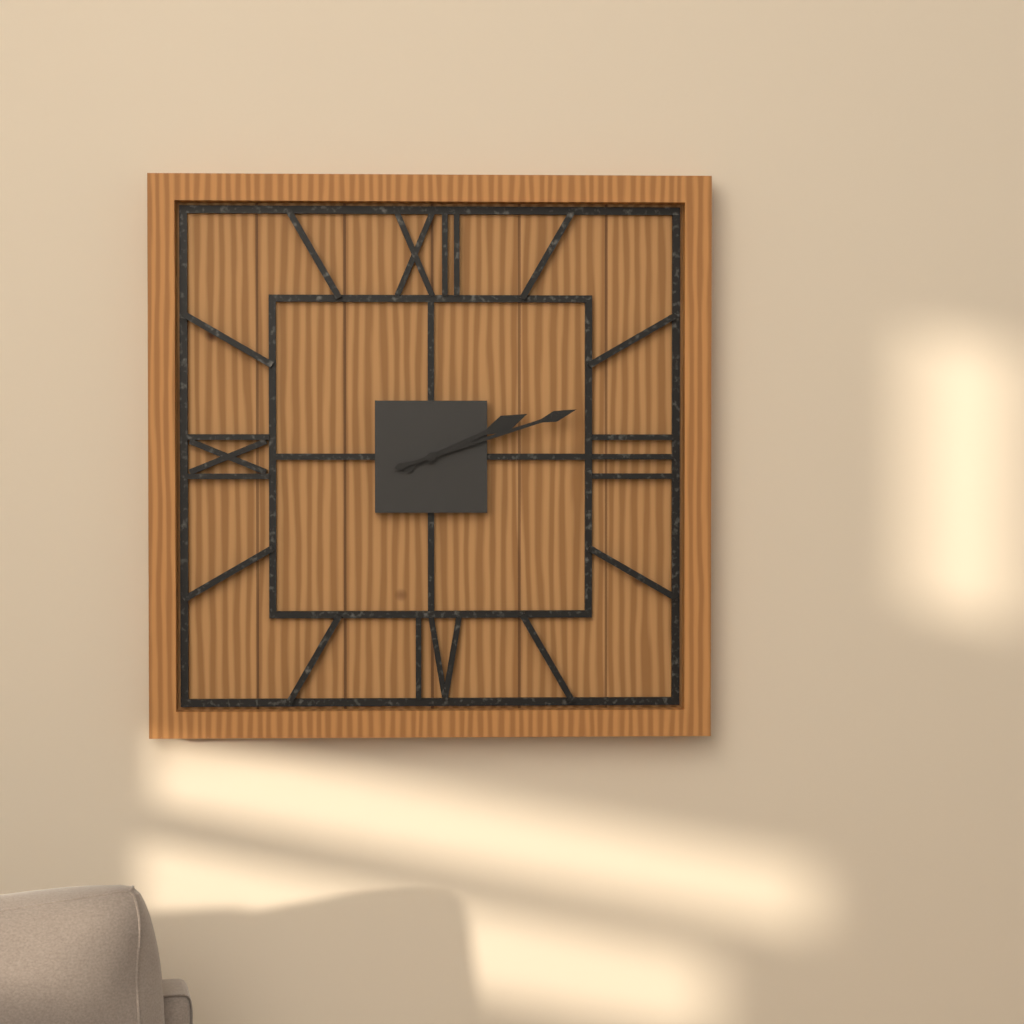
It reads **2:12**
